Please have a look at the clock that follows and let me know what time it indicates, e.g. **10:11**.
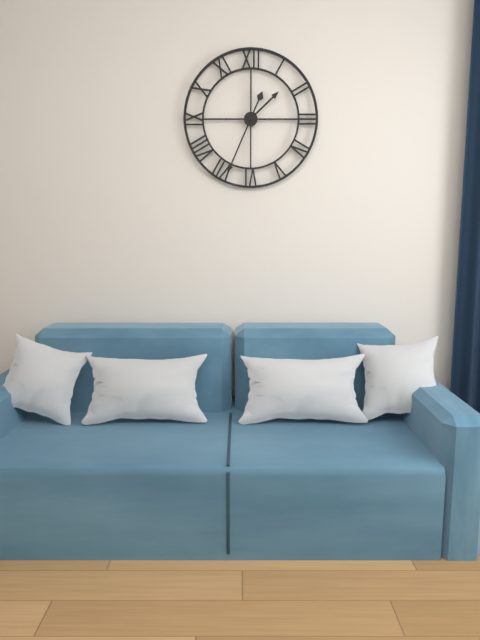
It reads **1:34**
